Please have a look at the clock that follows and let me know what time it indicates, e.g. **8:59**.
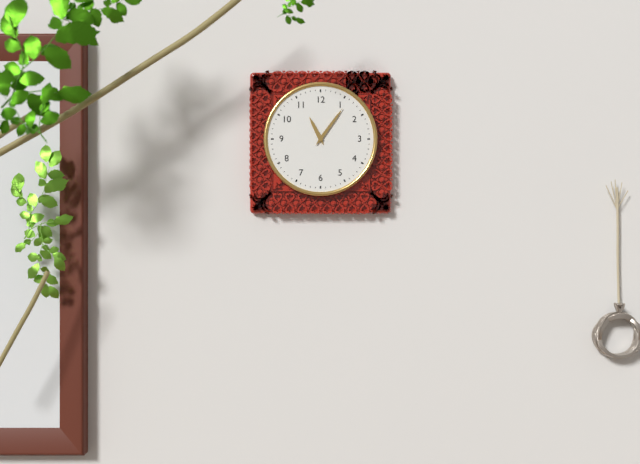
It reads **11:06**
